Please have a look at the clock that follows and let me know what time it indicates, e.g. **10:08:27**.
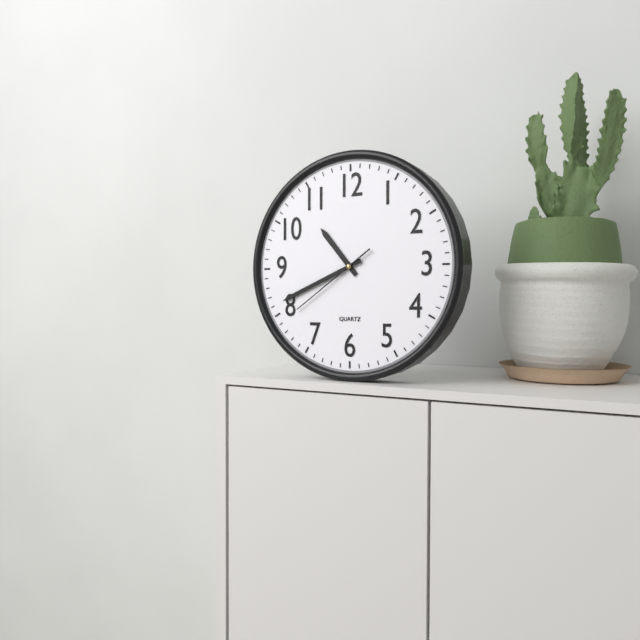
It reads **10:41:39**
